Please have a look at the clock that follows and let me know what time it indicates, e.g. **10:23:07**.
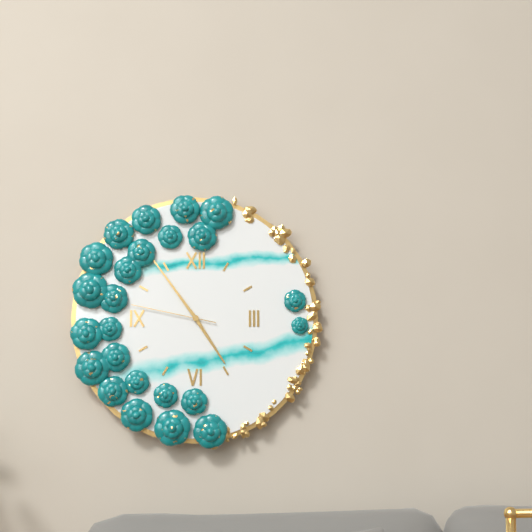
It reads **4:54:47**
